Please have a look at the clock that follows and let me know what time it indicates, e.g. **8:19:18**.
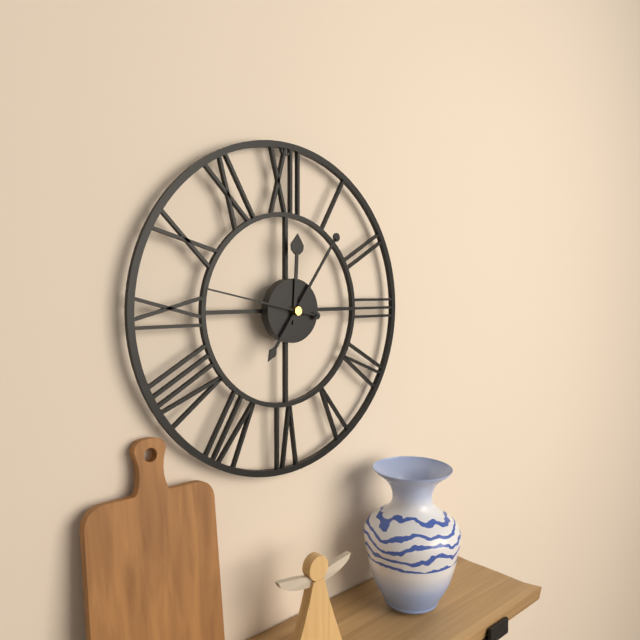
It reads **12:06:47**
